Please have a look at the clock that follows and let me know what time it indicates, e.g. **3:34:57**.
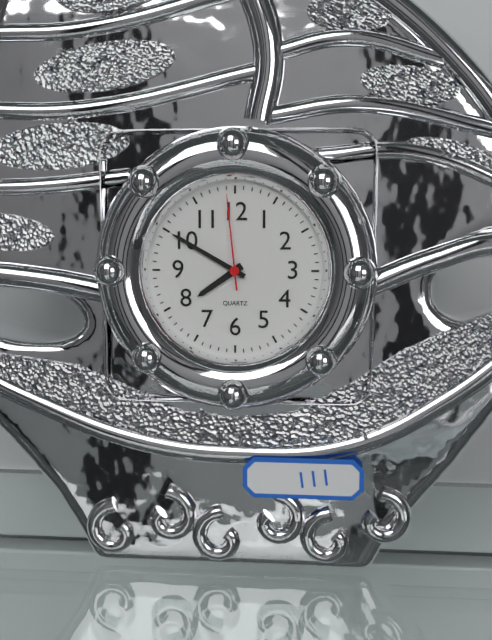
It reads **7:50:59**
